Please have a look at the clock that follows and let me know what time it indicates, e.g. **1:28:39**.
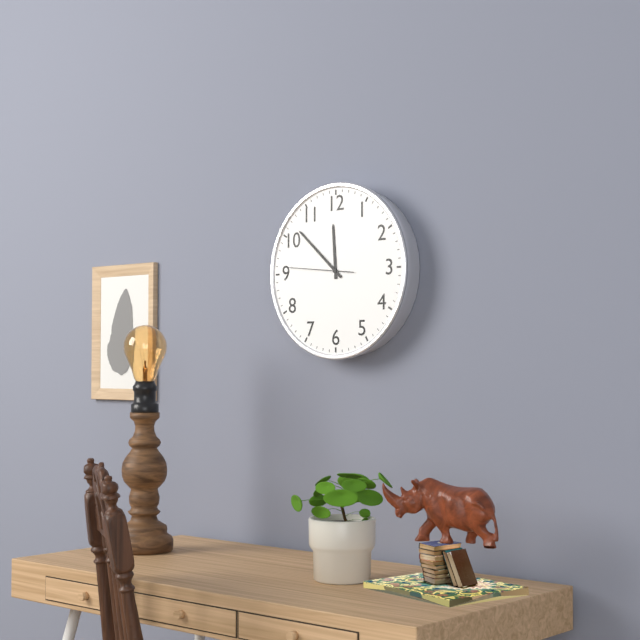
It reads **11:52:46**
